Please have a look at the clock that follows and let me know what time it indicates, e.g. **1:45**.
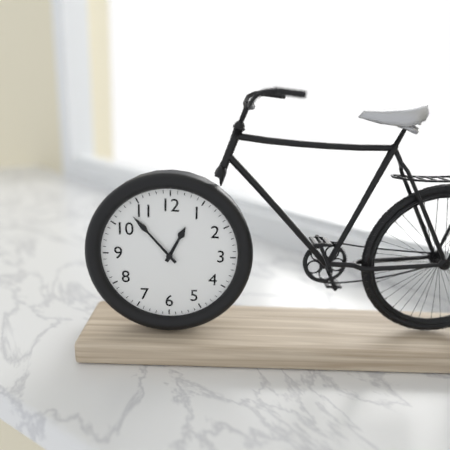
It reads **12:53**
